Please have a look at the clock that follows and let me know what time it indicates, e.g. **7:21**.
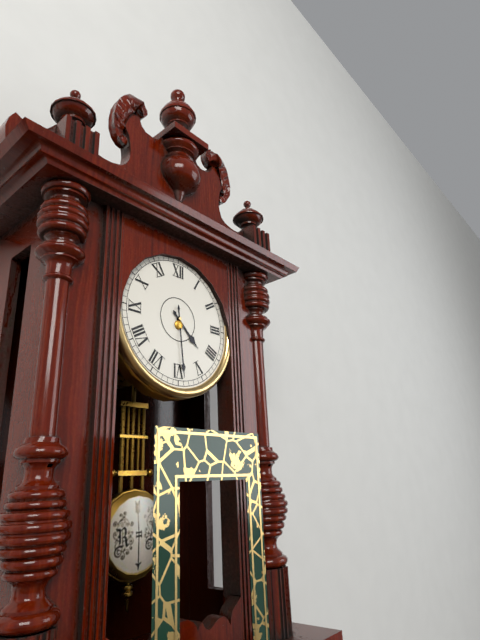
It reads **4:29**
